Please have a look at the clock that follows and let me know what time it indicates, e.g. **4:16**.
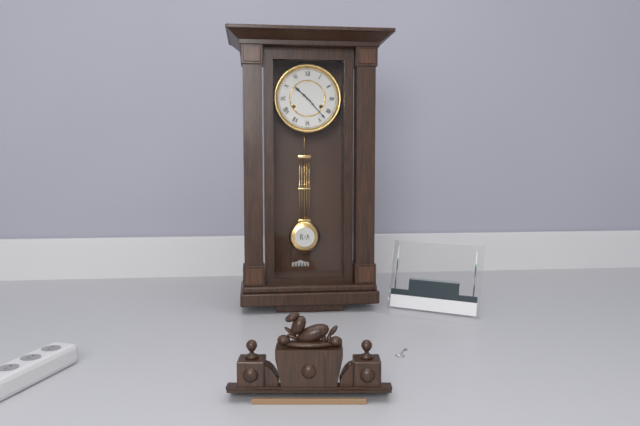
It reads **10:23**
